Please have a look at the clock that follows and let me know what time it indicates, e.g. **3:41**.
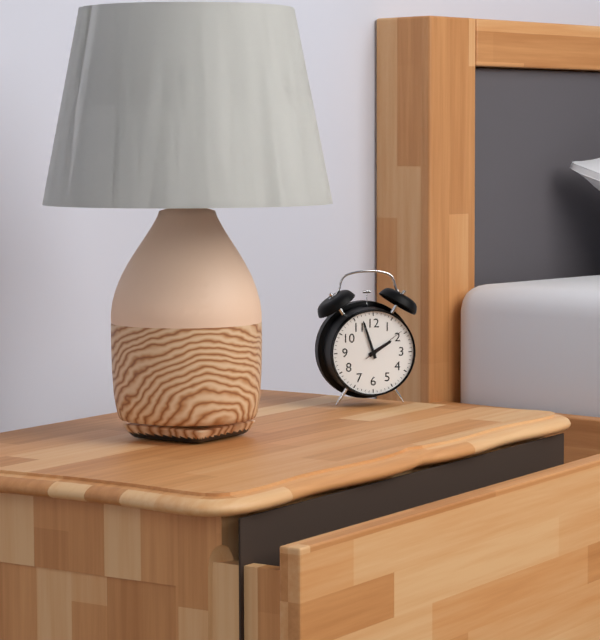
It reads **1:57**
